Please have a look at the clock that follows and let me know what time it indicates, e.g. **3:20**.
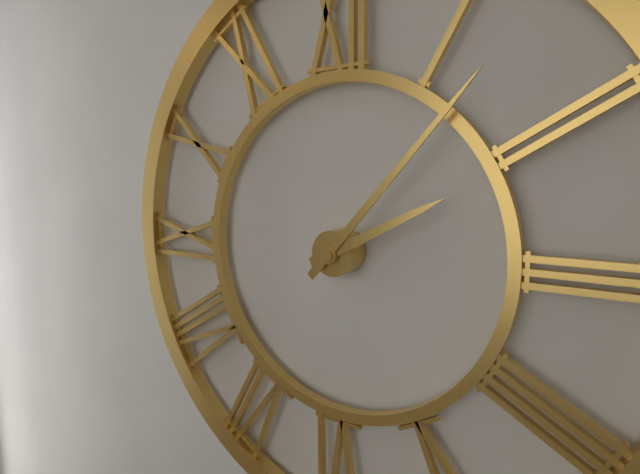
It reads **2:07**
